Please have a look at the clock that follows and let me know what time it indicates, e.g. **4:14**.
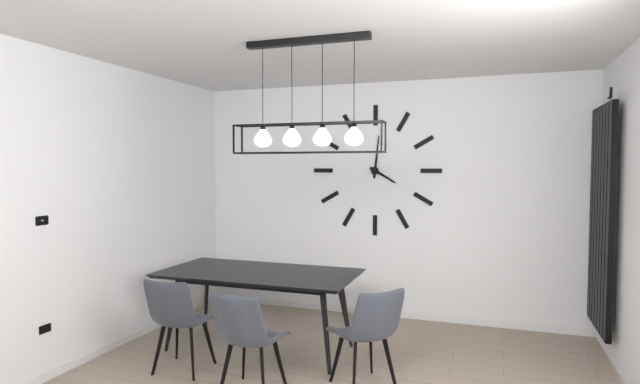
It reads **4:01**
